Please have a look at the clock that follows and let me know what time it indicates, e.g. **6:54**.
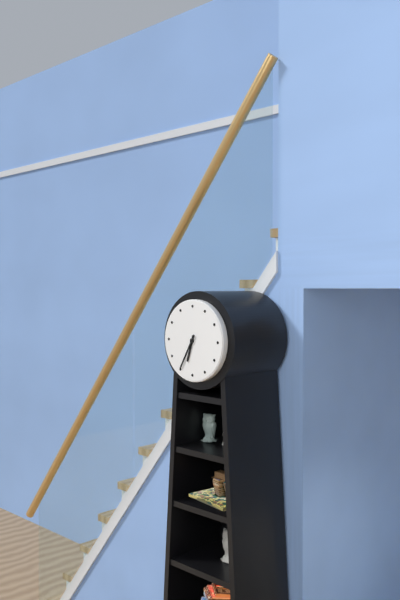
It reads **6:35**
